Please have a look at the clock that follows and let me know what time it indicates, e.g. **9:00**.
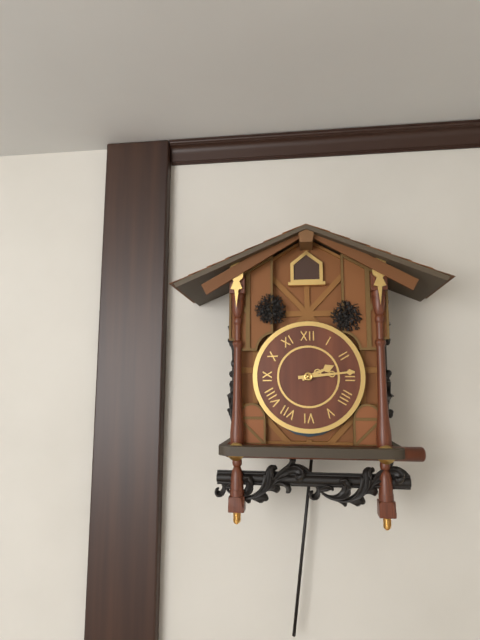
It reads **2:14**
